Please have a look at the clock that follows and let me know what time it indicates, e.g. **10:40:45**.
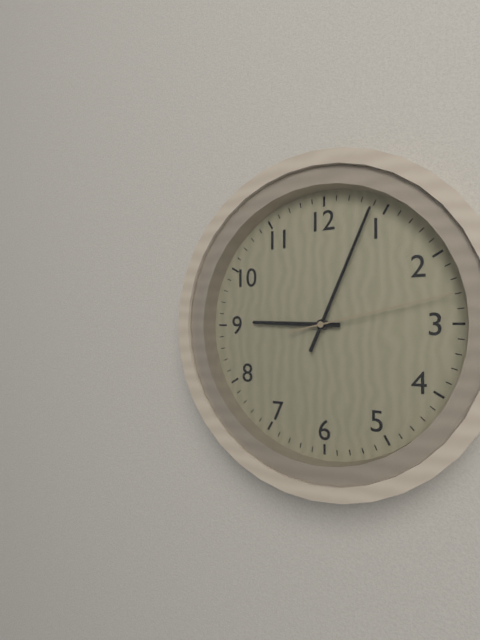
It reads **9:04:13**
